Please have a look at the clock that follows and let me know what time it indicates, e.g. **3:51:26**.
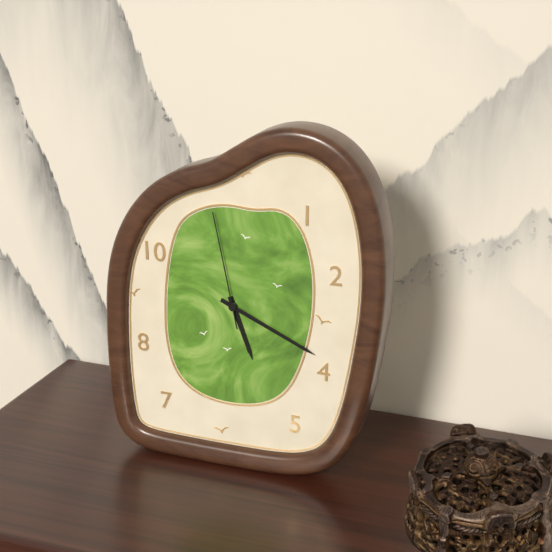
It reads **5:19:58**
